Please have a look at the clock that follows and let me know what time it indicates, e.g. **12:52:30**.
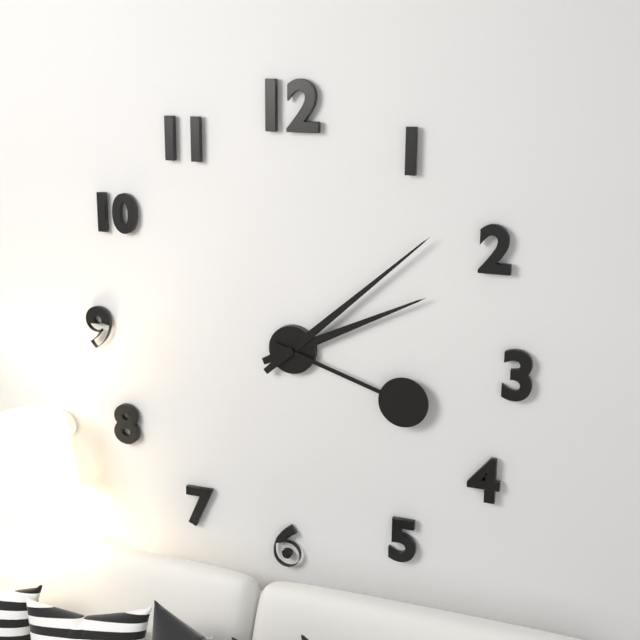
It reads **2:08:18**
